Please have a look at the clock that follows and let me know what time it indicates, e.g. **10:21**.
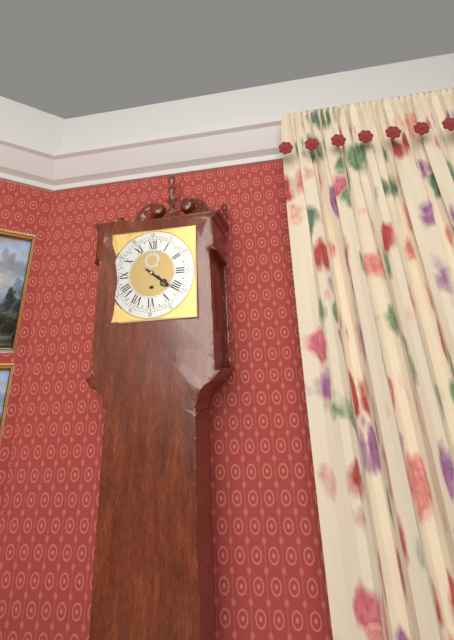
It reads **4:21**
